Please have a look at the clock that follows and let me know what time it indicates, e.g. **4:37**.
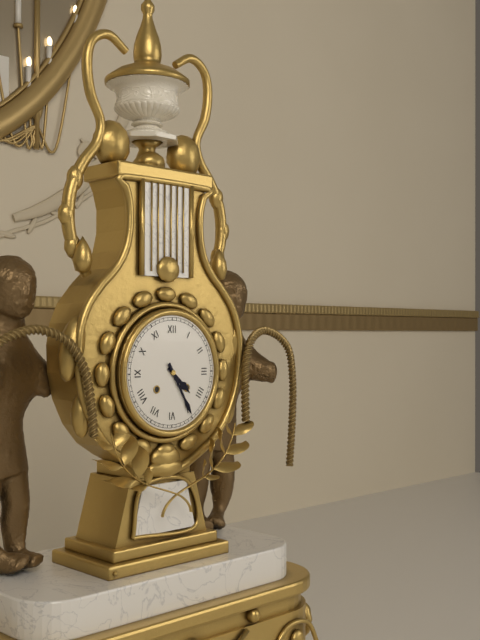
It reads **4:25**
